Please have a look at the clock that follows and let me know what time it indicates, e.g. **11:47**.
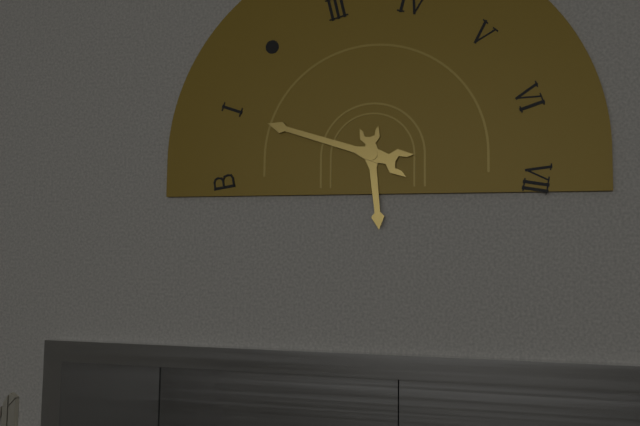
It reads **5:48**
